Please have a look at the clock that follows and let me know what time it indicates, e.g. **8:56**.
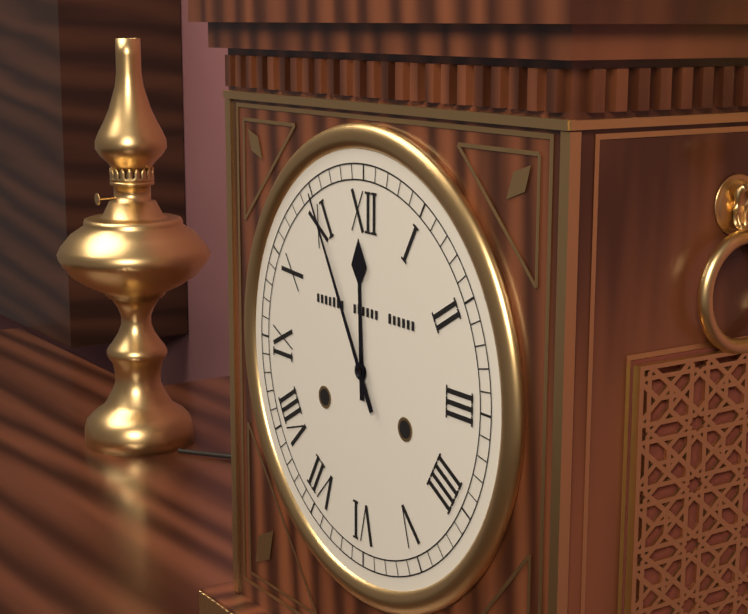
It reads **11:55**
